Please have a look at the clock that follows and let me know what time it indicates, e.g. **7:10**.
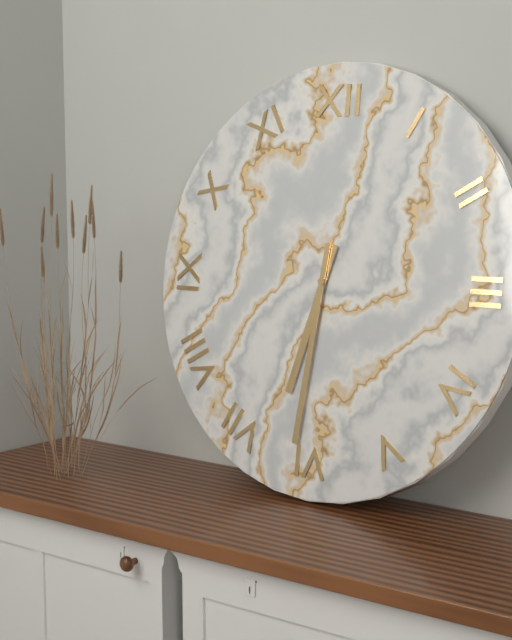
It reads **6:31**
